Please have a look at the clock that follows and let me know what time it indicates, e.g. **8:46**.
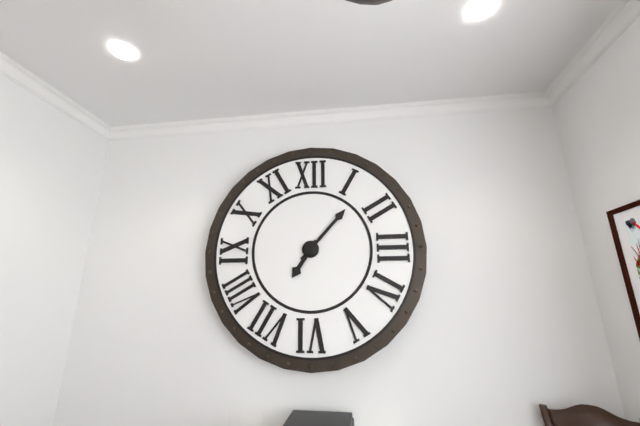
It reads **7:07**
